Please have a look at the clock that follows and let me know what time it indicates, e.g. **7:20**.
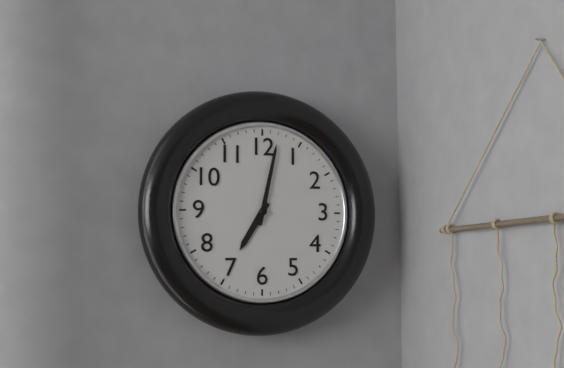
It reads **7:02**
